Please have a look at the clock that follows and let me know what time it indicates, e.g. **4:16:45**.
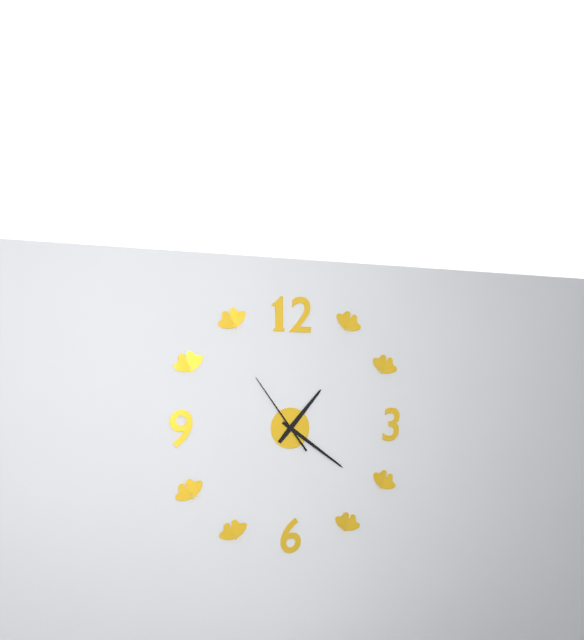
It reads **1:21:54**
